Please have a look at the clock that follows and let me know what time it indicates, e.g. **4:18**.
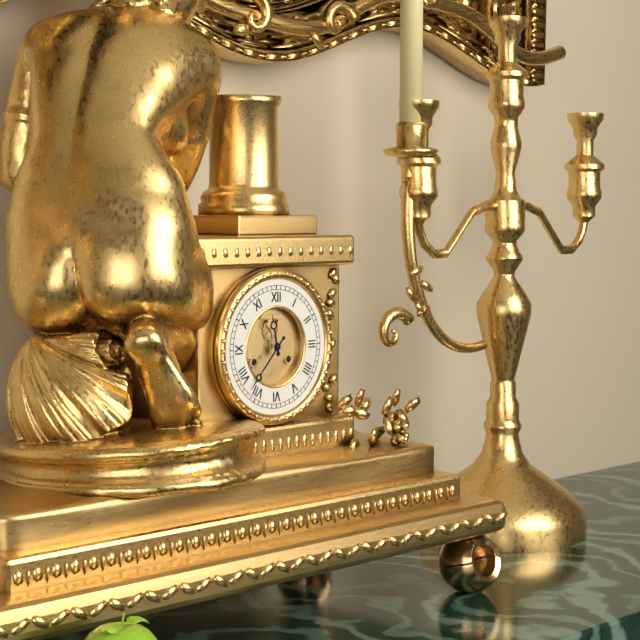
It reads **11:37**
